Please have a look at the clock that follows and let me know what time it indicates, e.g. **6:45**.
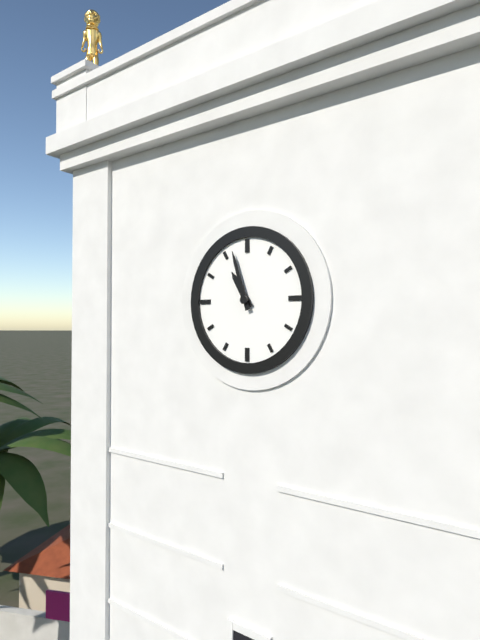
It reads **10:57**
